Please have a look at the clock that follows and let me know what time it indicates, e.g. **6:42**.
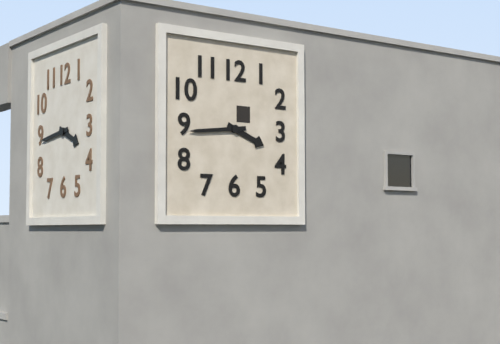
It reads **3:44**
